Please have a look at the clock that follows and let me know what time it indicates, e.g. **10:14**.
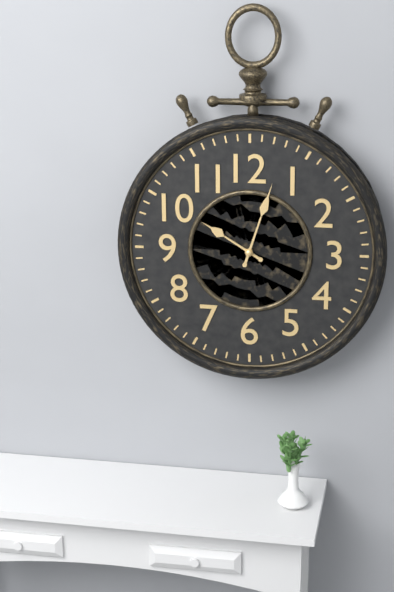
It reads **10:03**
